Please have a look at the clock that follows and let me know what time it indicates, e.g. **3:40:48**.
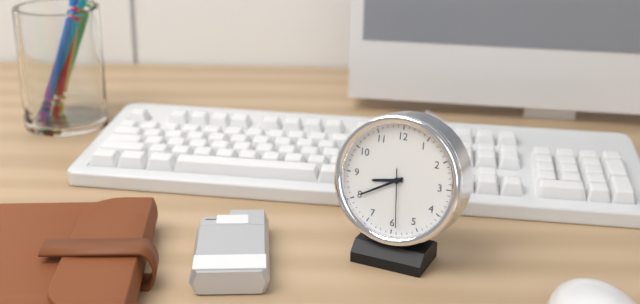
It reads **8:40:29**
